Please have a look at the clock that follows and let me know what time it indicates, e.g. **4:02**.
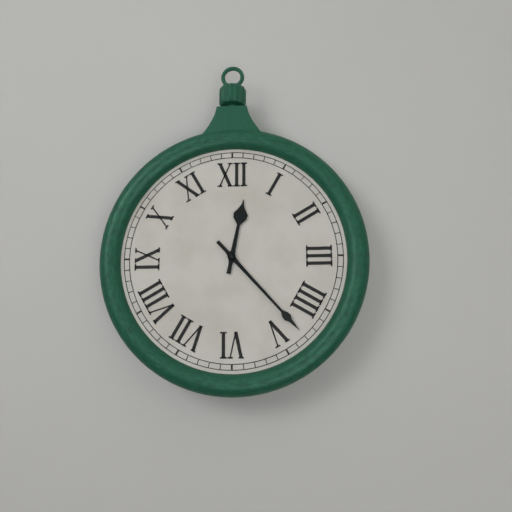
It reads **12:23**
